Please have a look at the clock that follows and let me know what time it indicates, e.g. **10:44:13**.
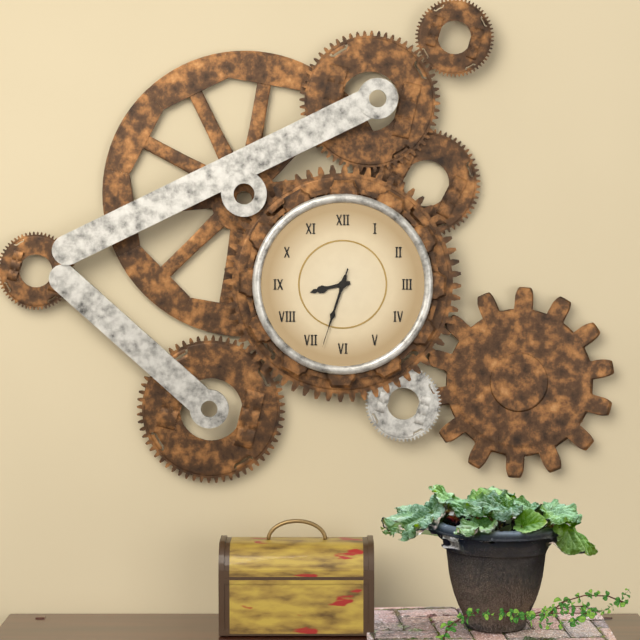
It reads **8:33:33**
